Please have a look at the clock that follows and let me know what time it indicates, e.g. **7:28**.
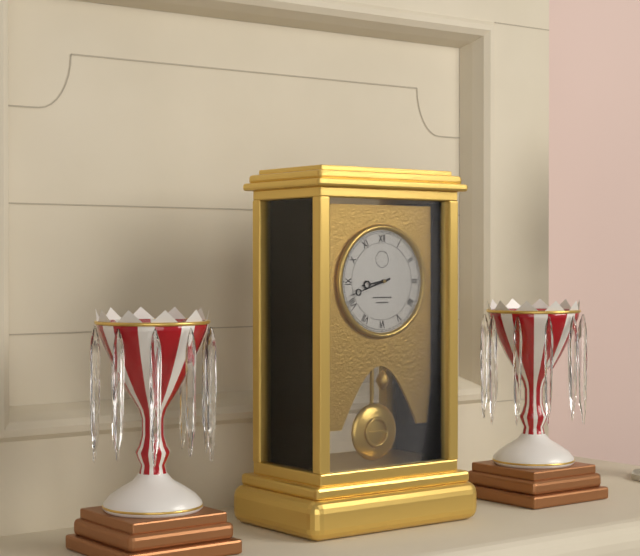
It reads **8:42**
